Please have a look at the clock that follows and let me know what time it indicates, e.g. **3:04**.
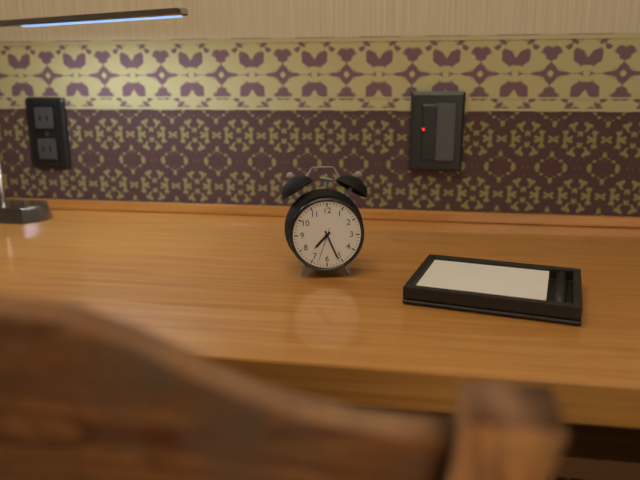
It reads **7:26**
